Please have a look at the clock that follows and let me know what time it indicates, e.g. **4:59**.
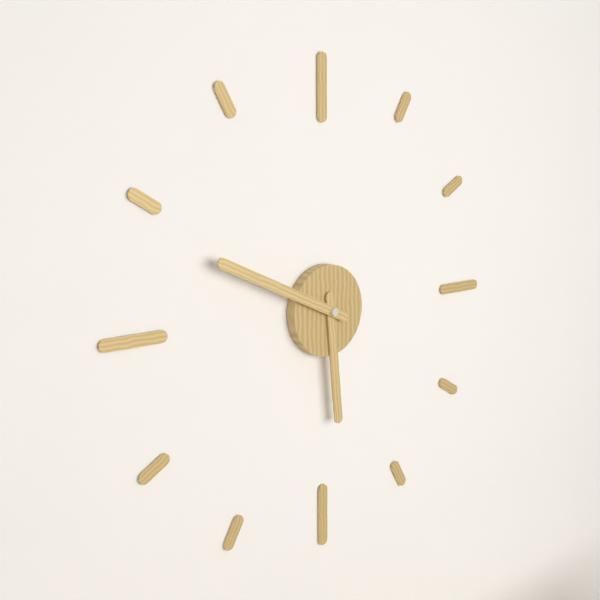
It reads **5:49**
